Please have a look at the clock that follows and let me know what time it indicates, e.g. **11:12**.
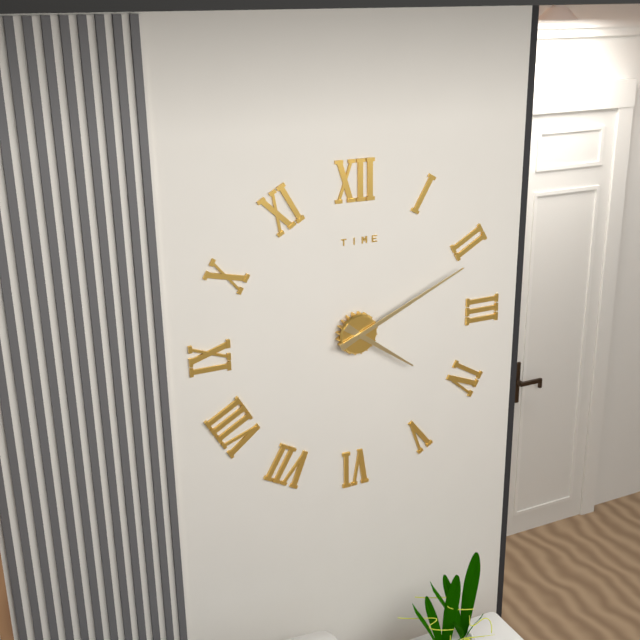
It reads **4:11**
